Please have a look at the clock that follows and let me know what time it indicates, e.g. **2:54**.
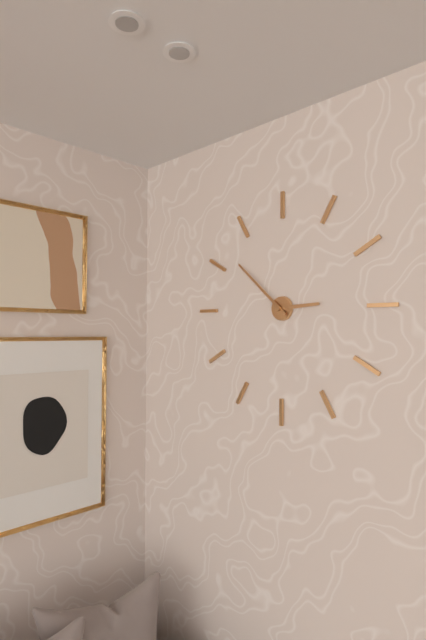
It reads **2:52**
